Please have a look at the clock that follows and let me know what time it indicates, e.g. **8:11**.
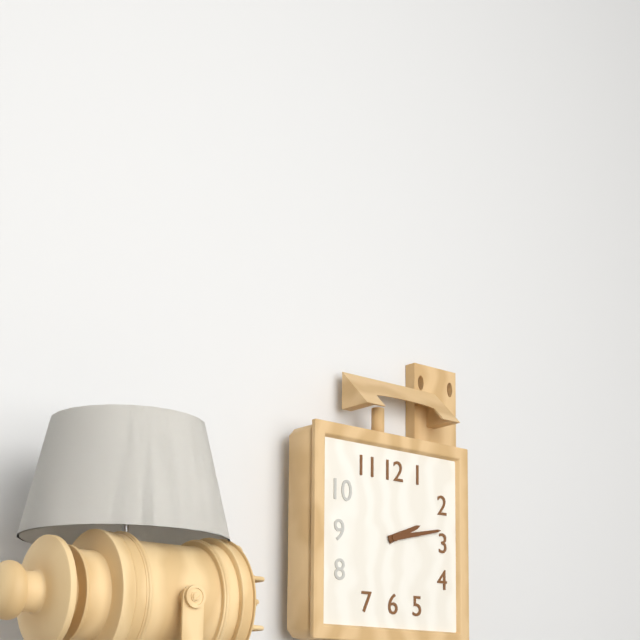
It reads **2:13**
